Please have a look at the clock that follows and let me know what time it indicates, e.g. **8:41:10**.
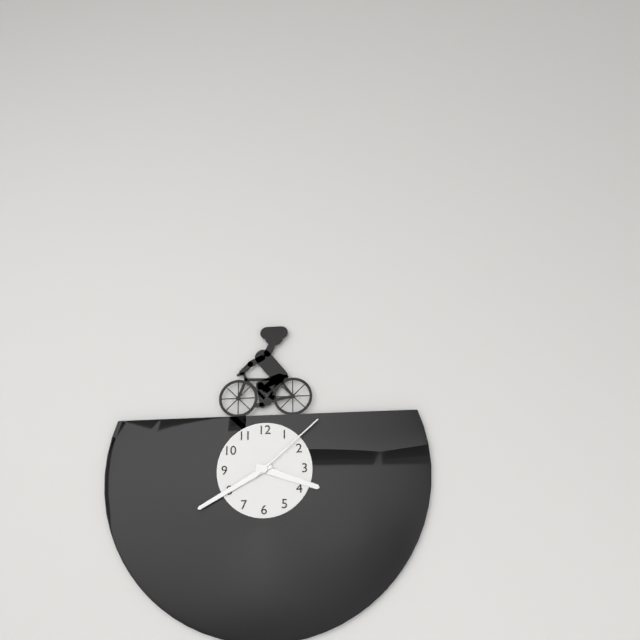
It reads **3:40:08**
